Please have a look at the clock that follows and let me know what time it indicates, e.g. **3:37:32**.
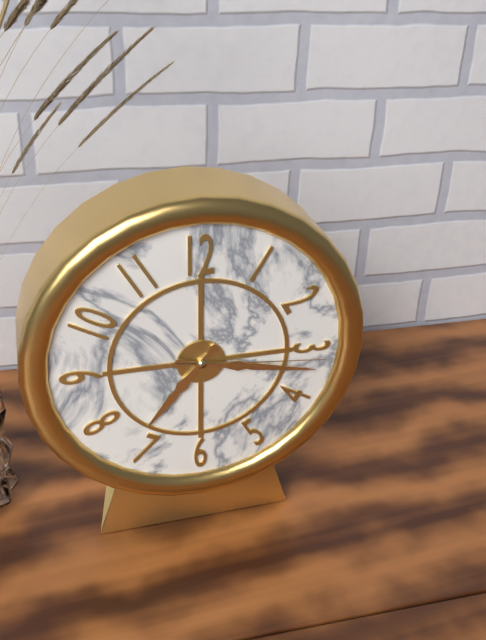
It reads **7:17:16**
